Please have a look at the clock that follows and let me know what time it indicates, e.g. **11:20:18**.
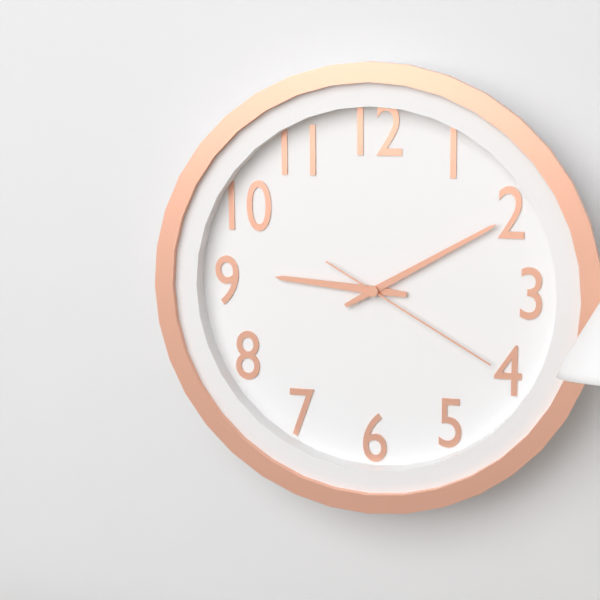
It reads **9:10:20**
